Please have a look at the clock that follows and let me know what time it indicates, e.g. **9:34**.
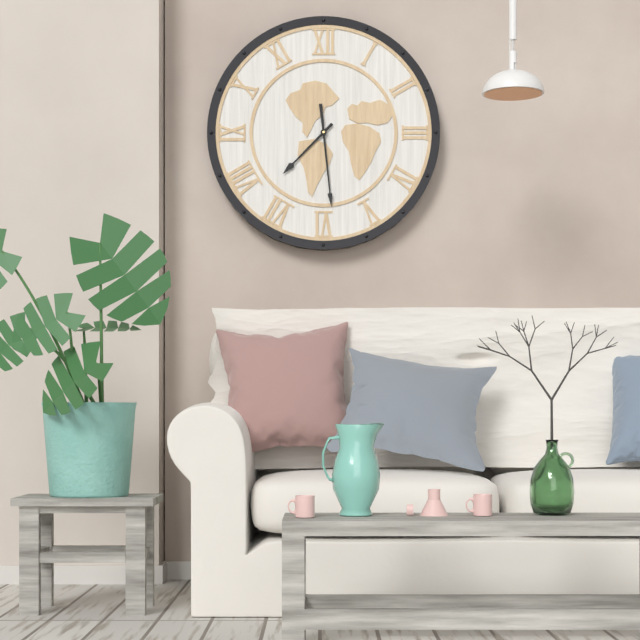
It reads **7:29**
